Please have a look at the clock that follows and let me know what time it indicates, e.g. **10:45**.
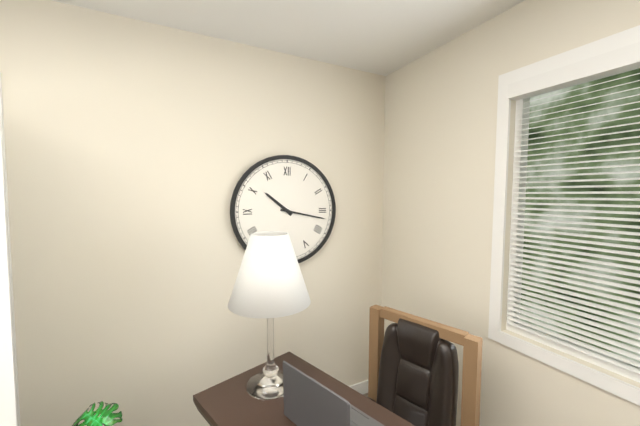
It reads **10:17**
